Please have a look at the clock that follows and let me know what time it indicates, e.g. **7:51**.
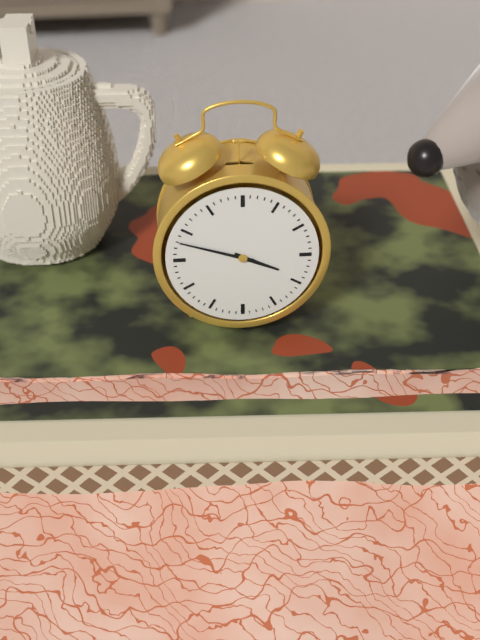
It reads **3:48**
